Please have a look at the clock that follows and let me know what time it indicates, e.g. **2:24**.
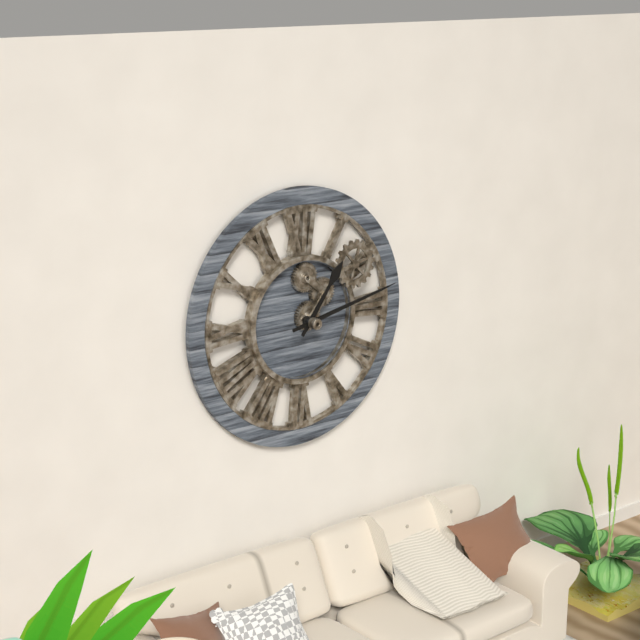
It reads **1:13**
